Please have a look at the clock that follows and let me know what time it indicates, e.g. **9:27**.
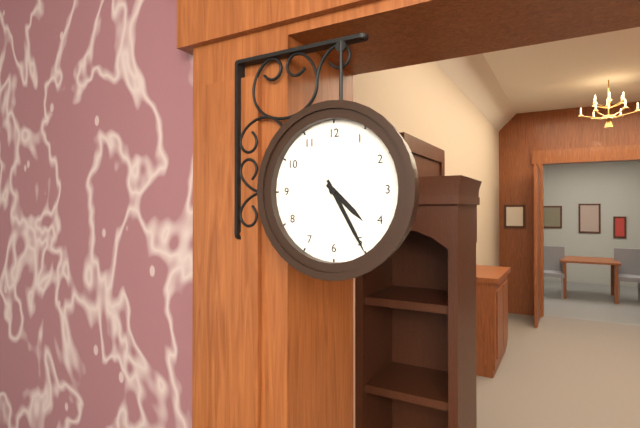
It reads **4:25**
